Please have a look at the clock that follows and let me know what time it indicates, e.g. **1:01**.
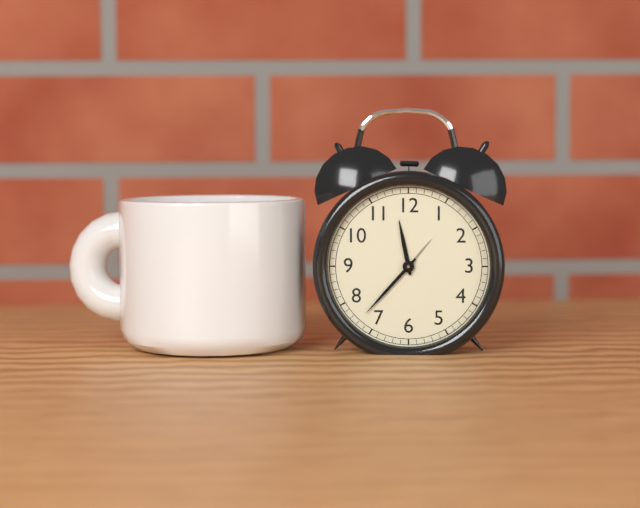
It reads **11:37**
